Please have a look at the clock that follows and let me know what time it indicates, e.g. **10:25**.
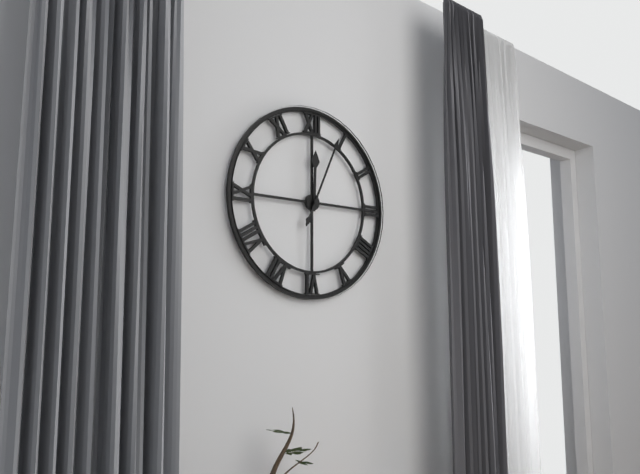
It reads **12:04**
